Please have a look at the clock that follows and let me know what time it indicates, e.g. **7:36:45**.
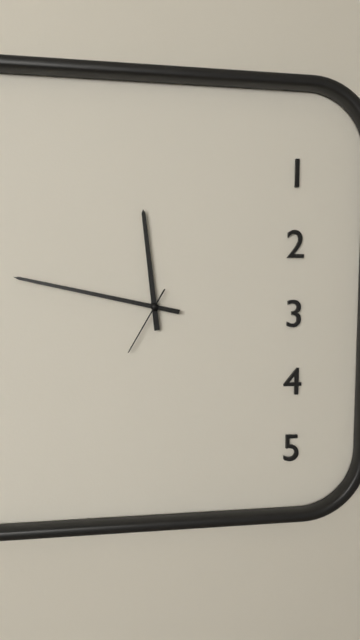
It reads **11:47:35**
